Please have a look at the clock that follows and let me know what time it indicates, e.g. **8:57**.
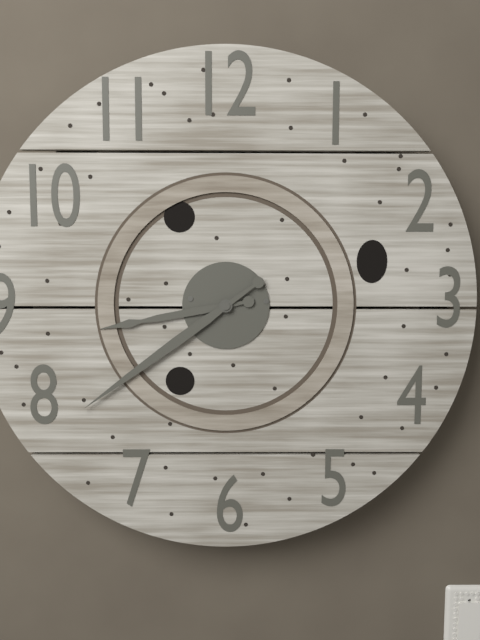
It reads **8:39**
